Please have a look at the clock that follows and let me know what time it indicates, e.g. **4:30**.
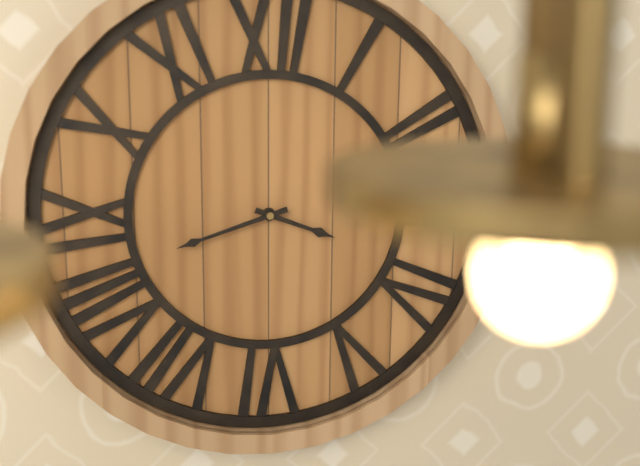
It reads **3:42**
